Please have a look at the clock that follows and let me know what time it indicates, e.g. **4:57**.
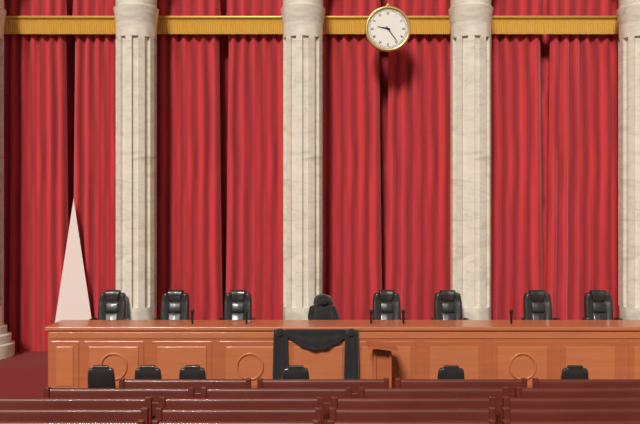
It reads **9:24**
